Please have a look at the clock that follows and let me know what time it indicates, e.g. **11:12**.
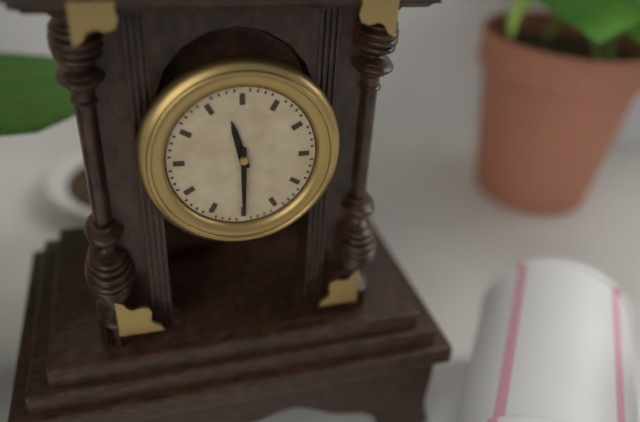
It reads **11:30**
